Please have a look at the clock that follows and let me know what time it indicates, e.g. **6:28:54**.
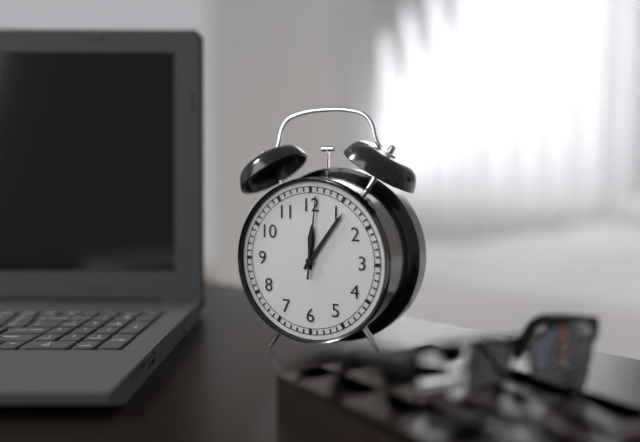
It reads **12:06:01**
